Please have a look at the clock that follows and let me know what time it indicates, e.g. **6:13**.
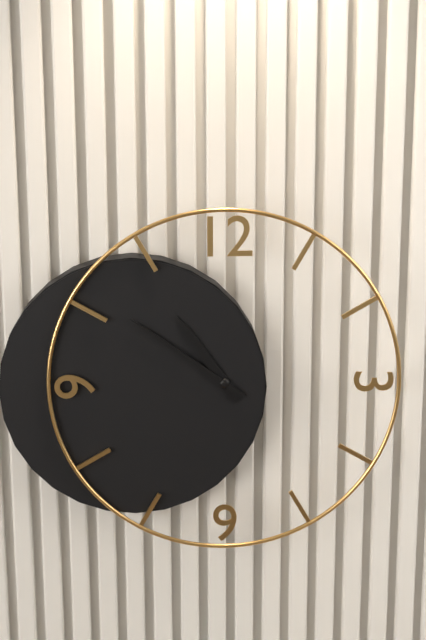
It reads **10:51**
